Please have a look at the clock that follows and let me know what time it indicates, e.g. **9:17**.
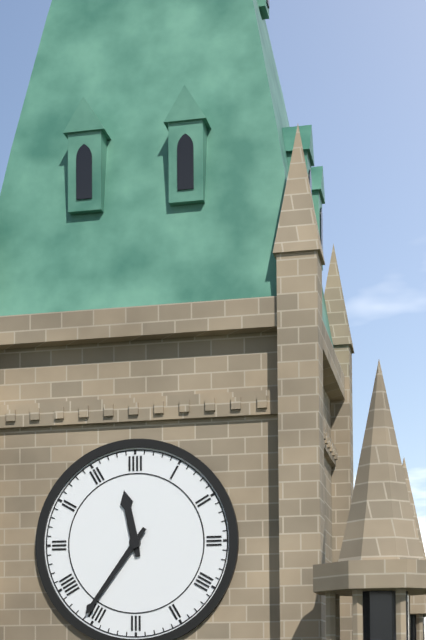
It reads **11:36**
